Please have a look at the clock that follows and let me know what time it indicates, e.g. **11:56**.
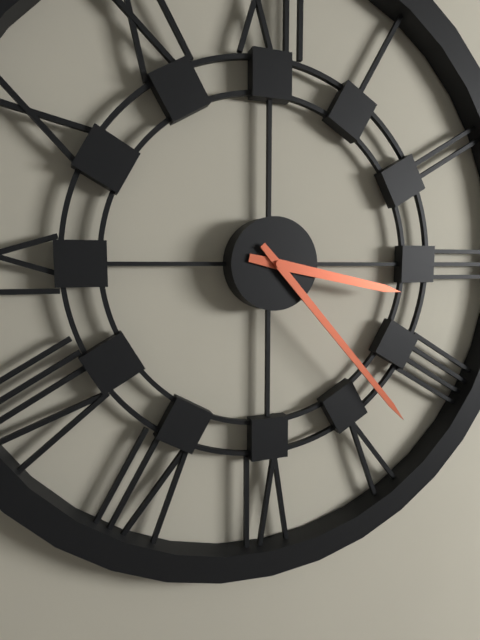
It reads **3:23**
